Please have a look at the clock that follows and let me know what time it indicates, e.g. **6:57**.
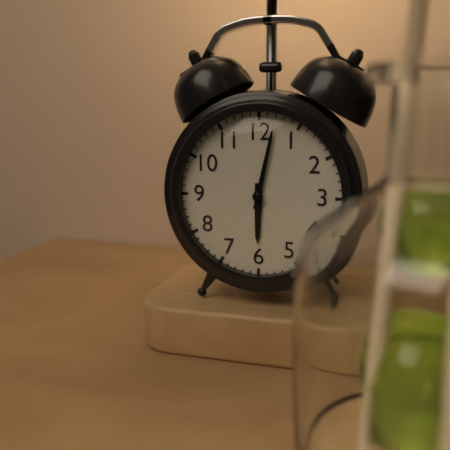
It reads **6:02**
